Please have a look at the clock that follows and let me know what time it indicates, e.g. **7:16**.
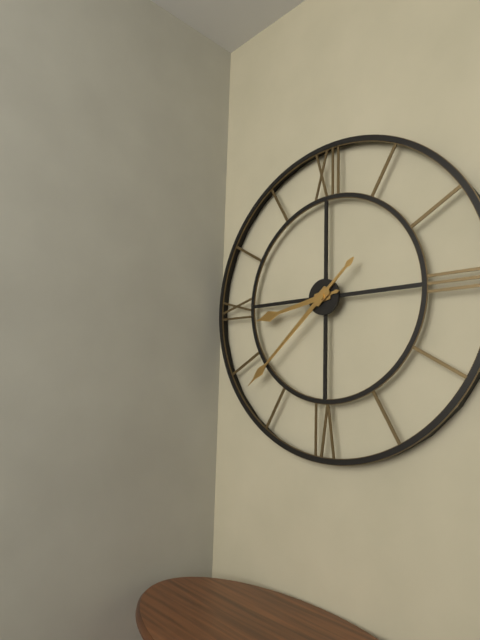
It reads **8:38**
